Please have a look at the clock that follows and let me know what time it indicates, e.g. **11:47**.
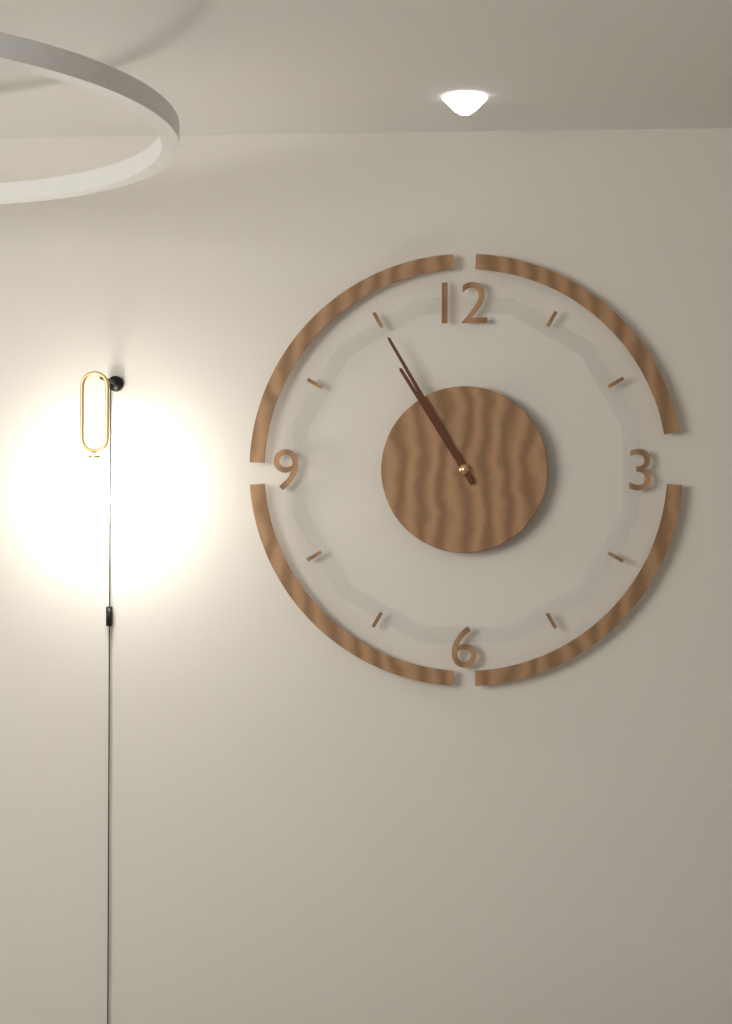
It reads **10:55**
